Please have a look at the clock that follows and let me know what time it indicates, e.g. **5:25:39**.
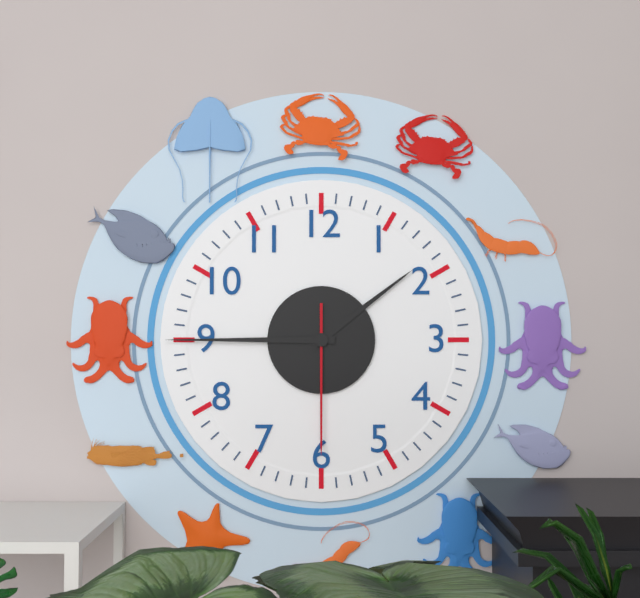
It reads **1:45:30**
